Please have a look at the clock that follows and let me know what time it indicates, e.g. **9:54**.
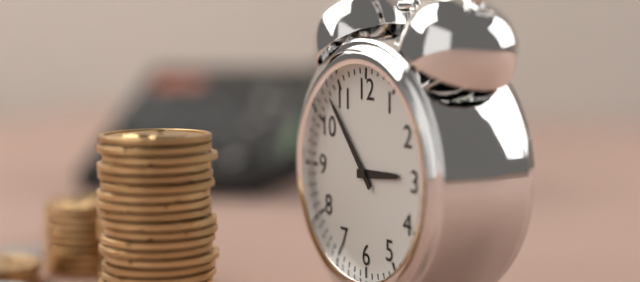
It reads **2:53**
